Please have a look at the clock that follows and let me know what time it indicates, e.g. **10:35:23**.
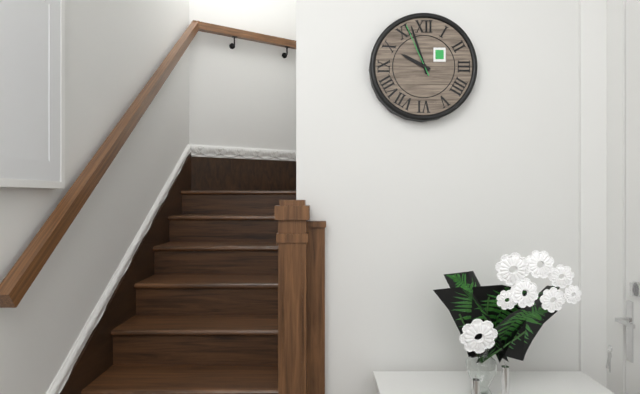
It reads **9:57:56**
